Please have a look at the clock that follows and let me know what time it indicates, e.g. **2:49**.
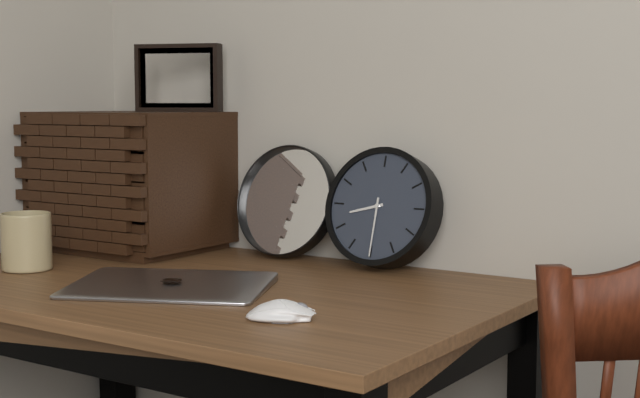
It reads **8:30**
